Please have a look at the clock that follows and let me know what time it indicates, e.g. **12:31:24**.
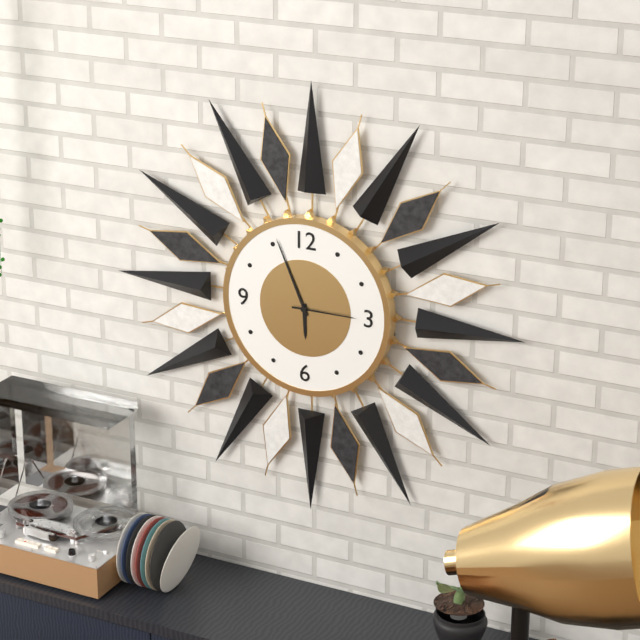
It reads **5:56:15**
